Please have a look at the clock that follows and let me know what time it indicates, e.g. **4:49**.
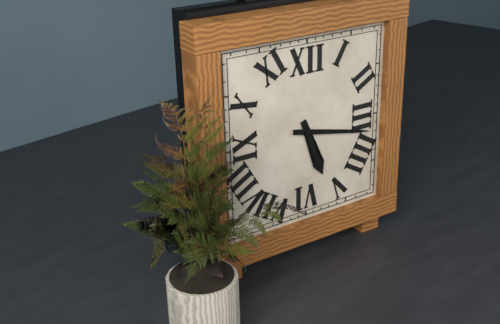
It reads **5:17**
